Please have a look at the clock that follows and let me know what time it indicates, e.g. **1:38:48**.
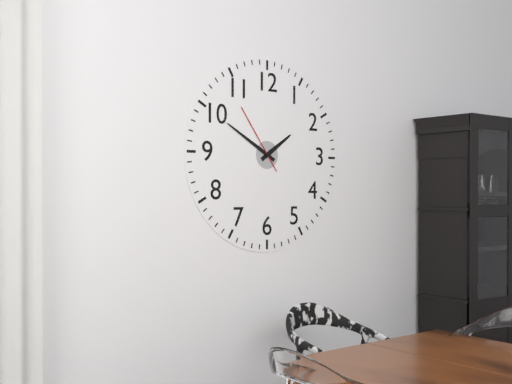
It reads **1:50:54**
